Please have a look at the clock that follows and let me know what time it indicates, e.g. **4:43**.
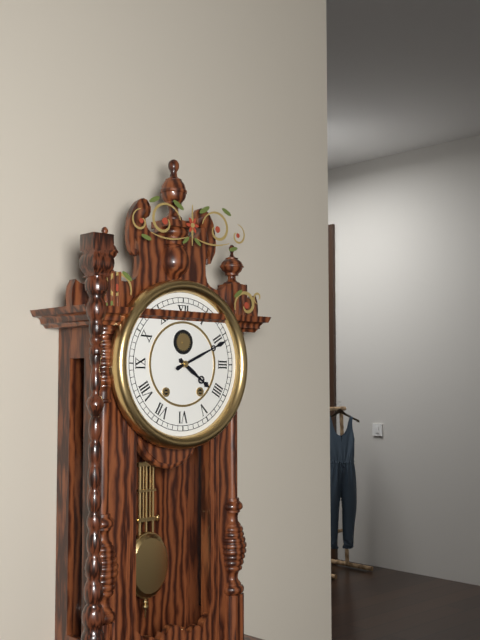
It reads **4:11**
